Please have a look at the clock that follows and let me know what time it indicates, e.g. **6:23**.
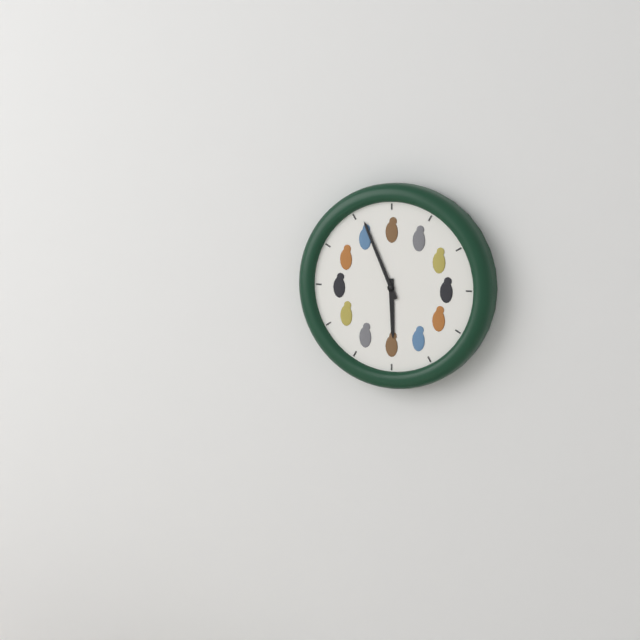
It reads **5:56**
